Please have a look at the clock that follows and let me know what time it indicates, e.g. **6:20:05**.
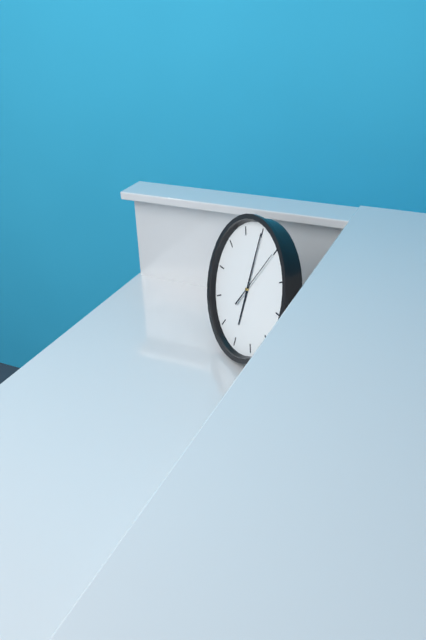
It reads **6:00:05**
